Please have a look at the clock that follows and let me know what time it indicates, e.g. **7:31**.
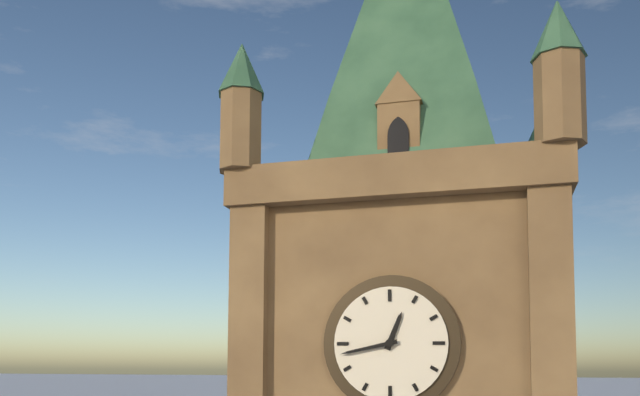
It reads **12:43**
